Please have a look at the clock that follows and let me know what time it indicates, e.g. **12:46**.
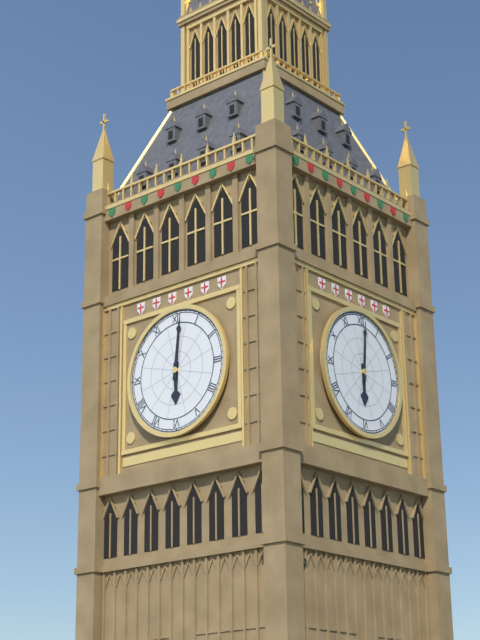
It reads **6:01**
